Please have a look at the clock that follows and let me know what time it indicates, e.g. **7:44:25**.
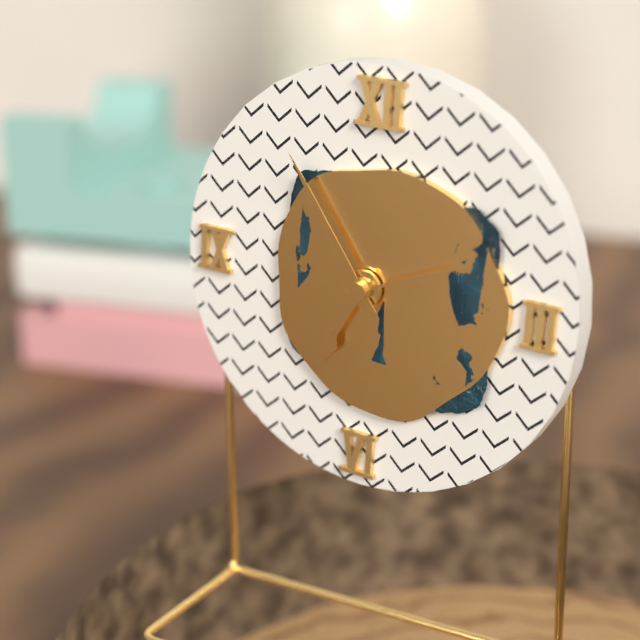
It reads **6:54:11**
